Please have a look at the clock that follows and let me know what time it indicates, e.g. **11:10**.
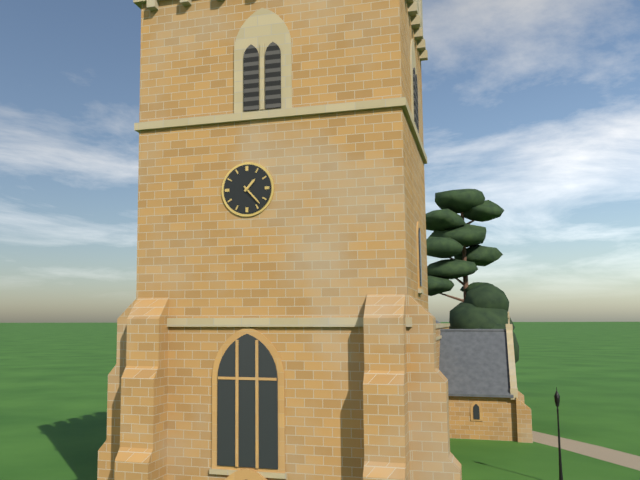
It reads **1:23**
